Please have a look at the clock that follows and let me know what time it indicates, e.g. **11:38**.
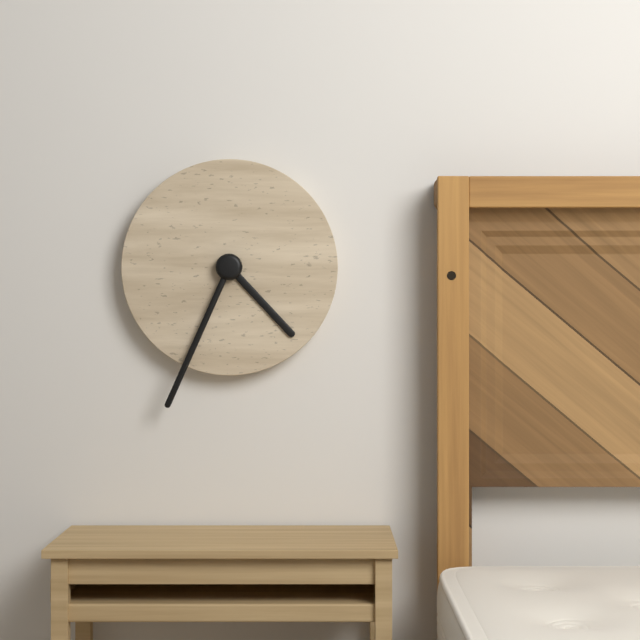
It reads **4:34**
